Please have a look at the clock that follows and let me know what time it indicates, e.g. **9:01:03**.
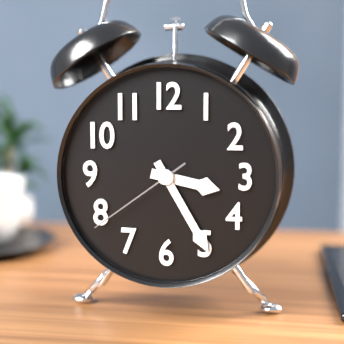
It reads **3:25:39**
